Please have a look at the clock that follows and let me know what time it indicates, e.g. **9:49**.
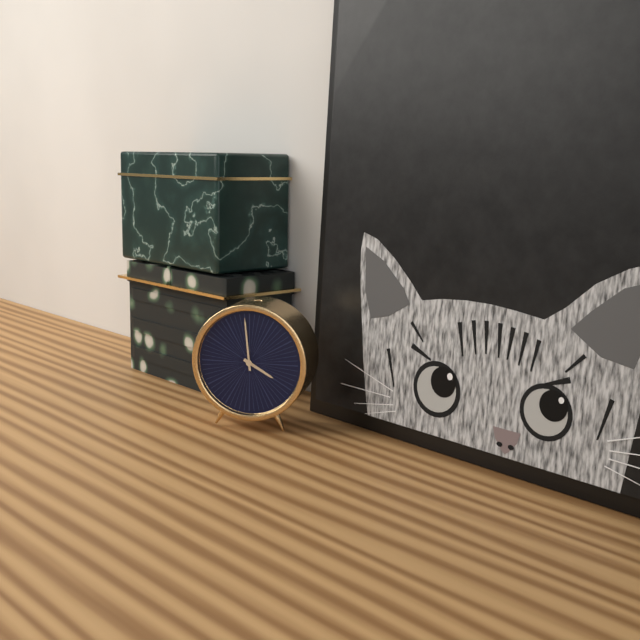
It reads **3:59**
